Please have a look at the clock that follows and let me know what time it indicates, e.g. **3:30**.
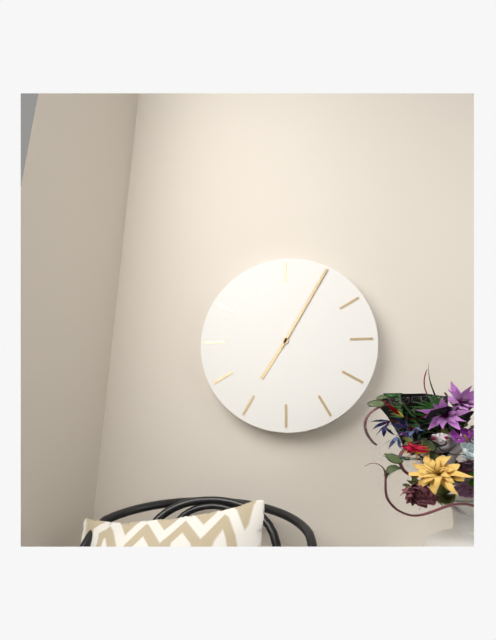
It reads **7:05**
